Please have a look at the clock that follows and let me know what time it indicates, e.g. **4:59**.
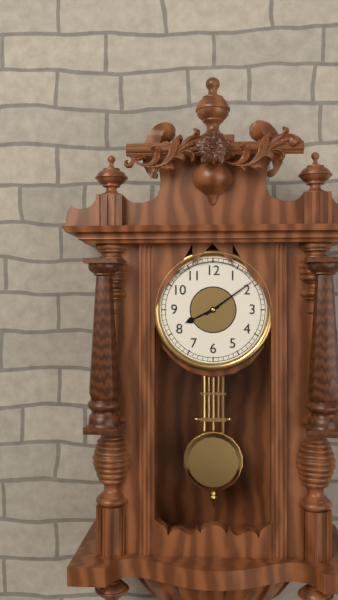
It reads **8:09**
